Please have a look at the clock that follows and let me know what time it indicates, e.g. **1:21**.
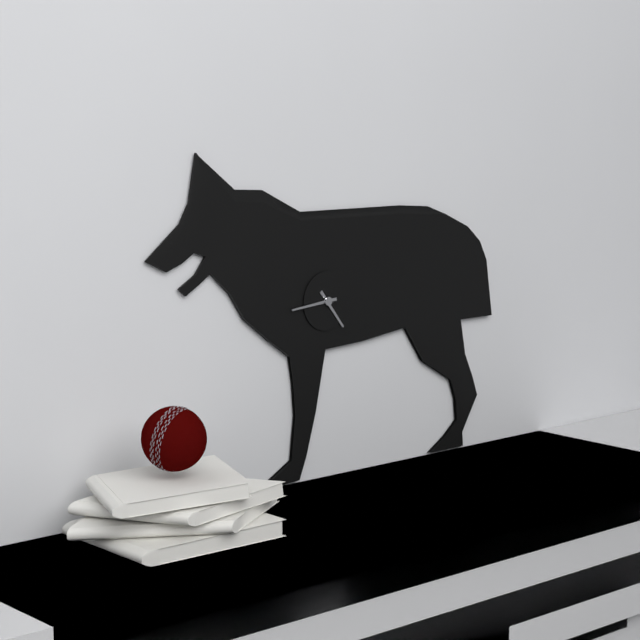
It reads **4:44**
